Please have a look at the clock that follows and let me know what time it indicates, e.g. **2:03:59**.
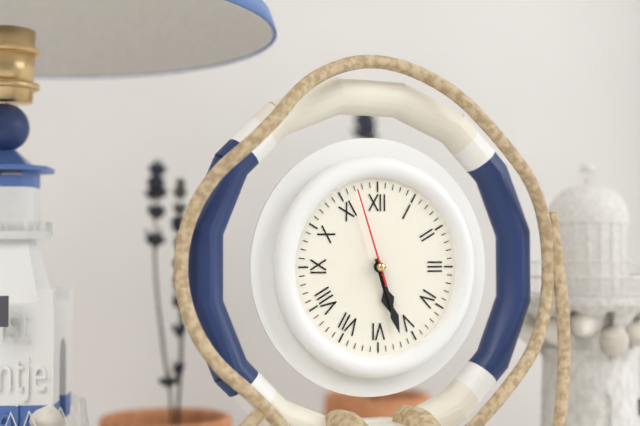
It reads **5:27:57**
